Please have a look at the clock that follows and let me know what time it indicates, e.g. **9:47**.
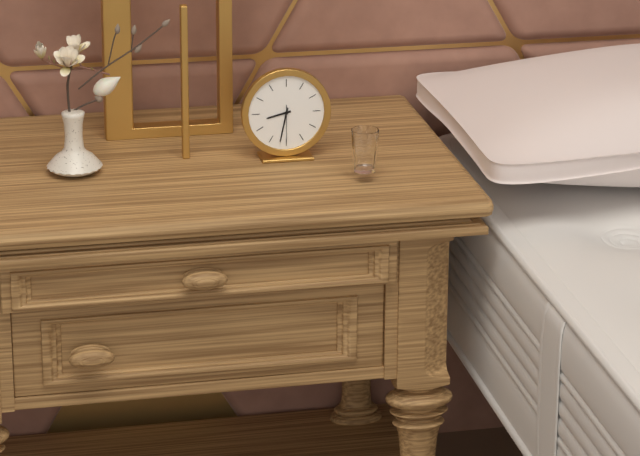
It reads **8:32**
